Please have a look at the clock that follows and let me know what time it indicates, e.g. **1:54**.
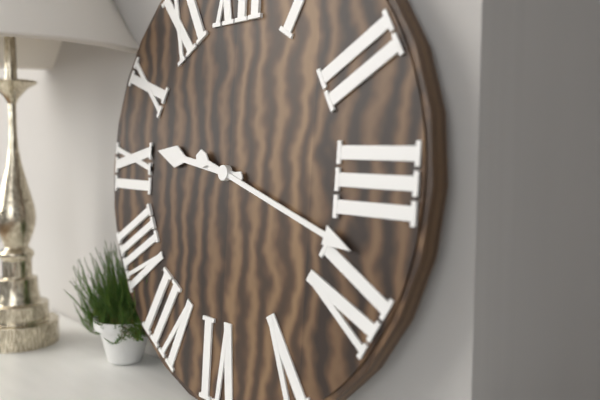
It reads **9:18**
